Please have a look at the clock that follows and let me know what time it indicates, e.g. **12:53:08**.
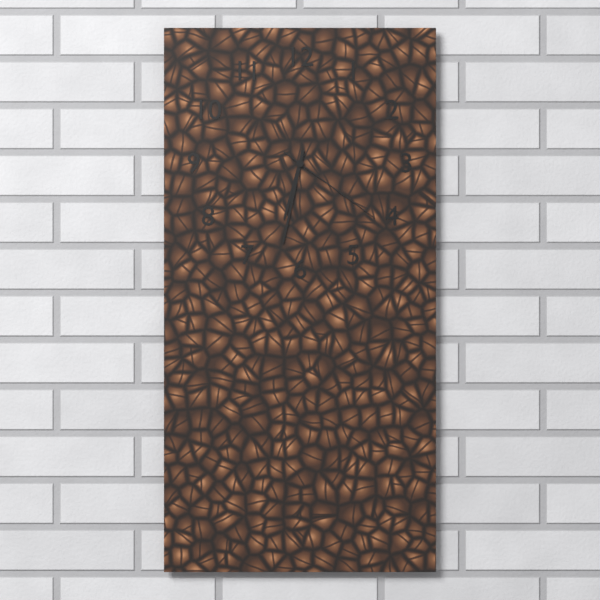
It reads **6:32:21**
